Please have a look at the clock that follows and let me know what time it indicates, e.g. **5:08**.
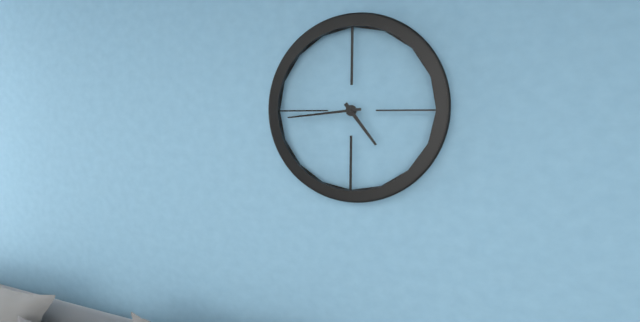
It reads **4:44**
